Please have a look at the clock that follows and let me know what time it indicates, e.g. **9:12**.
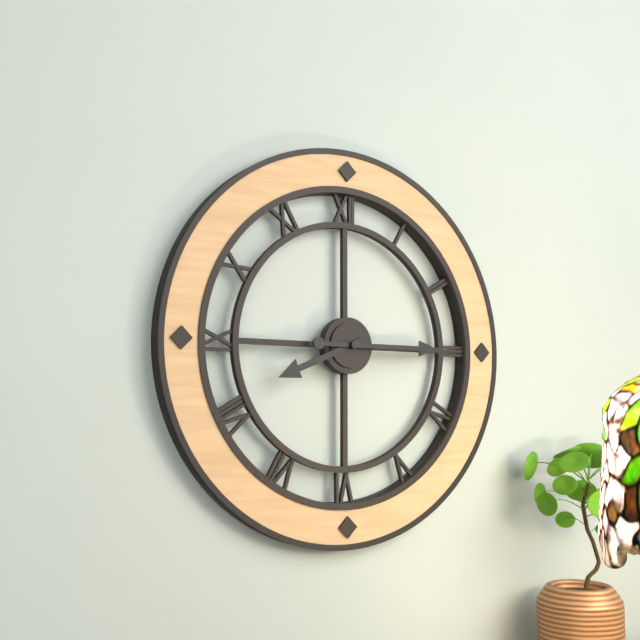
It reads **8:15**
